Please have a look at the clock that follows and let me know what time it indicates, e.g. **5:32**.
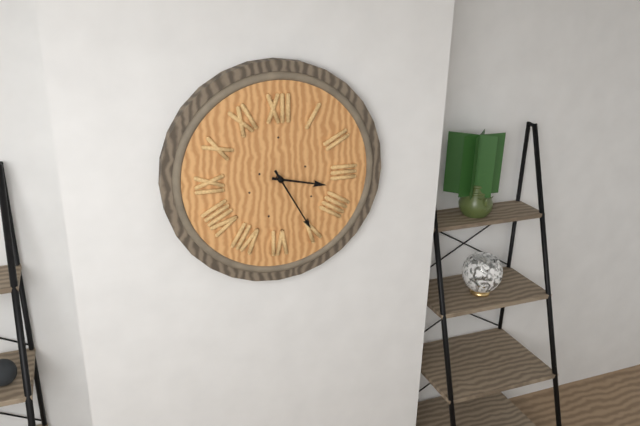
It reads **3:25**
